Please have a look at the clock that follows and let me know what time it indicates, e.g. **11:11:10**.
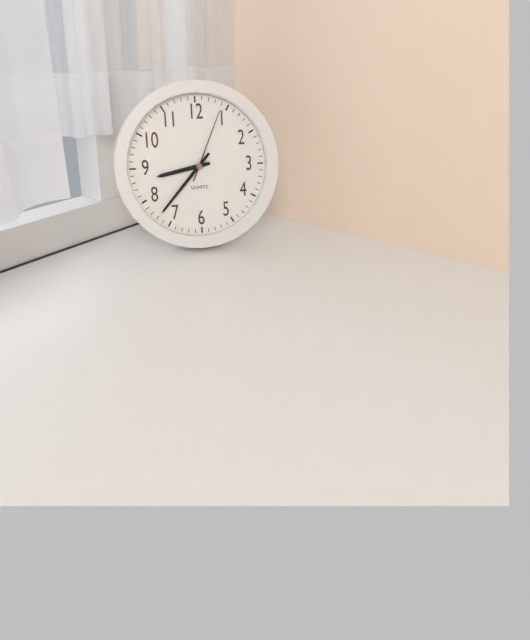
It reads **8:37:04**
